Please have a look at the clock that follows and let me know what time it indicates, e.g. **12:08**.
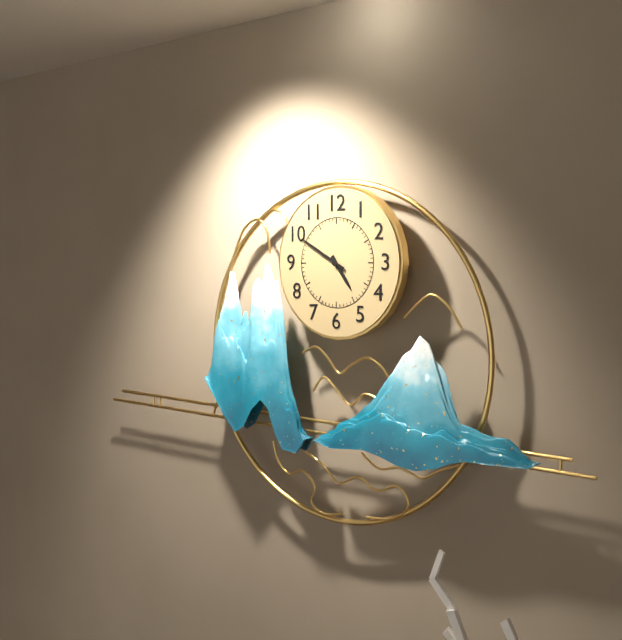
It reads **4:50**
